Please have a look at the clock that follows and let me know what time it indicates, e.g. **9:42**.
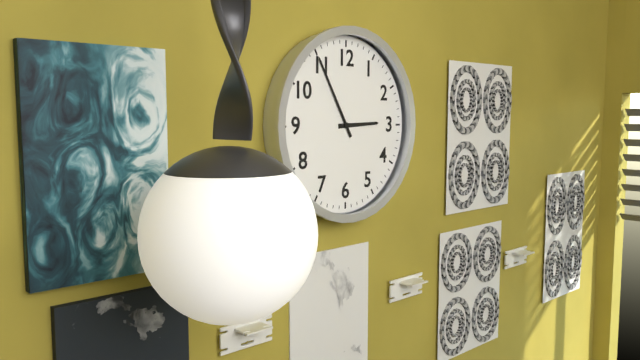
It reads **2:55**
